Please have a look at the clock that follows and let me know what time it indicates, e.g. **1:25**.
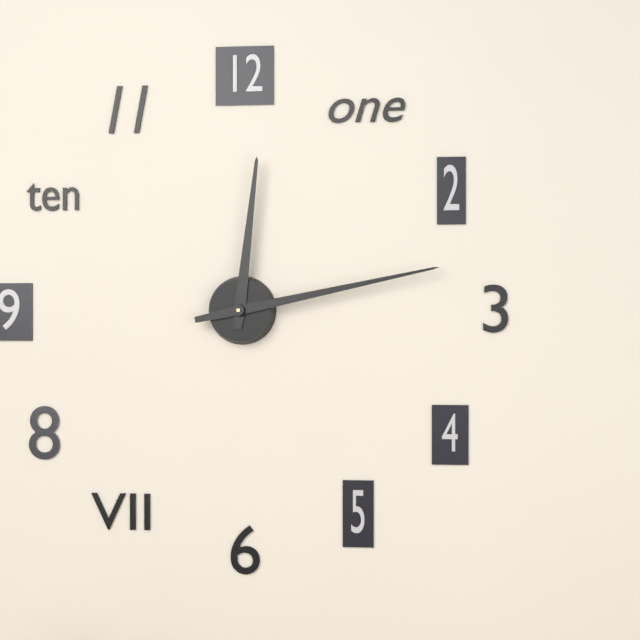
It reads **12:13**
